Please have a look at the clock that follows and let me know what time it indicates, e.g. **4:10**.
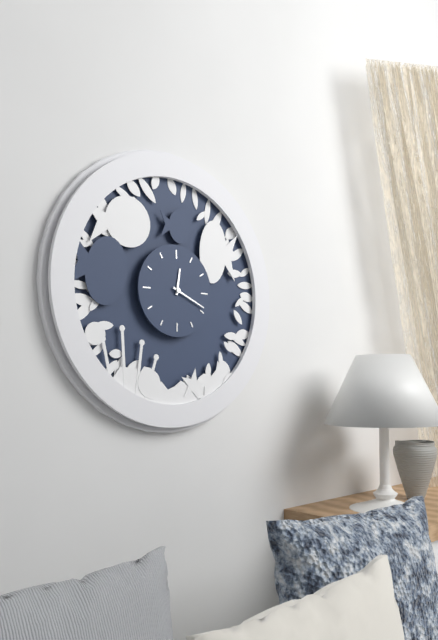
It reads **12:19**
